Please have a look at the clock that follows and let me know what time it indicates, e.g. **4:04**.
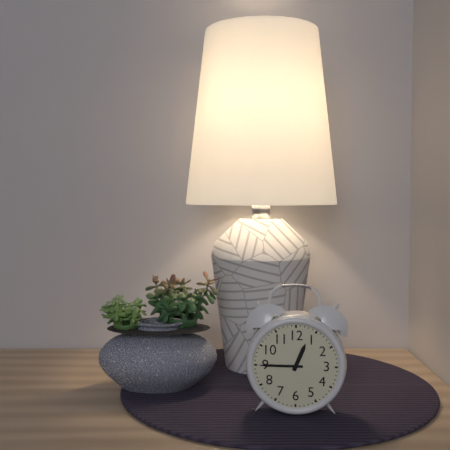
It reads **12:45**
